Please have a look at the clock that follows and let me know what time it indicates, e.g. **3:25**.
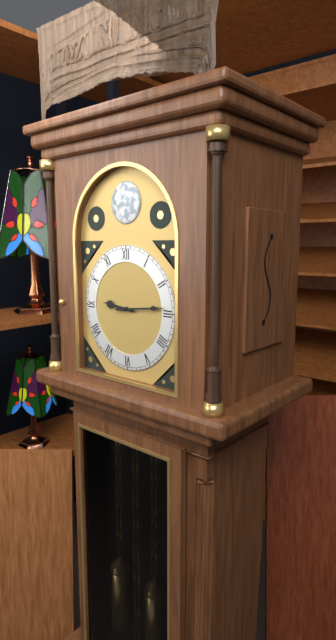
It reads **9:14**
